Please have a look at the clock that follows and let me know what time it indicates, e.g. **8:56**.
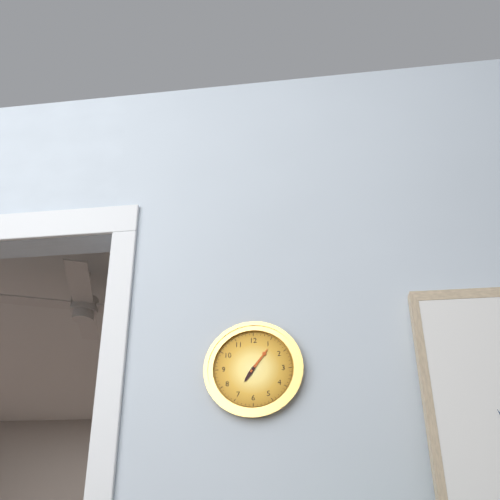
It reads **7:06**
